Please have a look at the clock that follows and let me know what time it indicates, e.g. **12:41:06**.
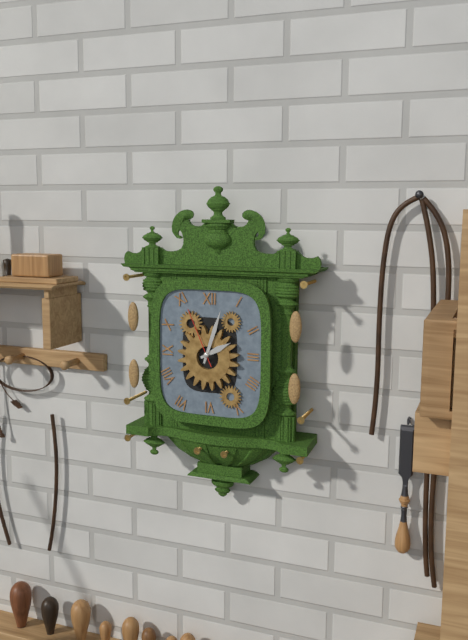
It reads **2:03:56**
